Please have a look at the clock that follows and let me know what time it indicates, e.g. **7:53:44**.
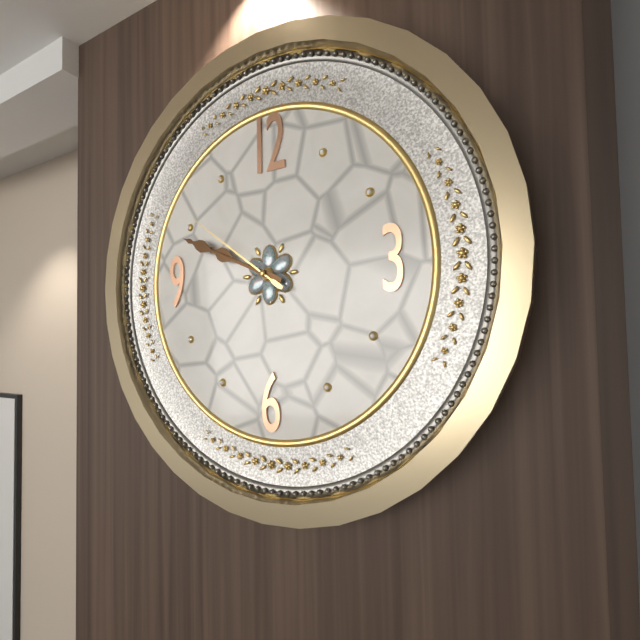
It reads **9:49:51**
